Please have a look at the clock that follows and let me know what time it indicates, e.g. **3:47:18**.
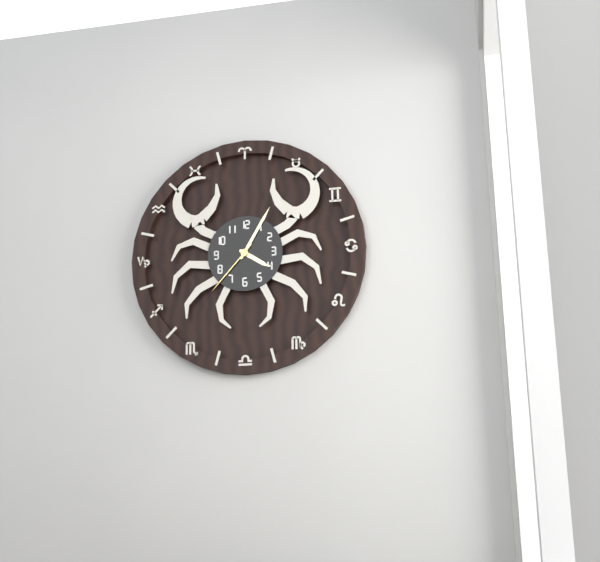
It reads **4:05:37**
